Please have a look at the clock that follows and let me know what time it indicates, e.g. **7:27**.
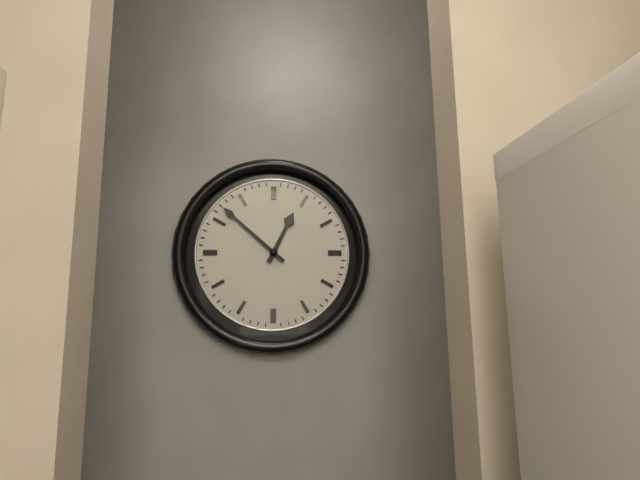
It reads **12:52**
